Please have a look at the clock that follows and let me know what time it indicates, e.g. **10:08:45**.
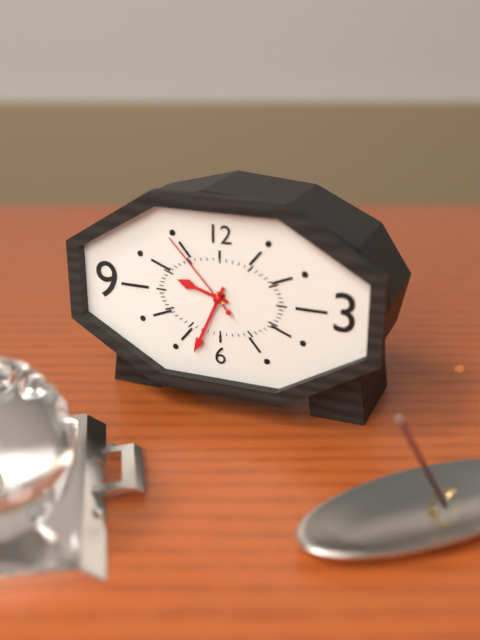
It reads **9:34:53**
